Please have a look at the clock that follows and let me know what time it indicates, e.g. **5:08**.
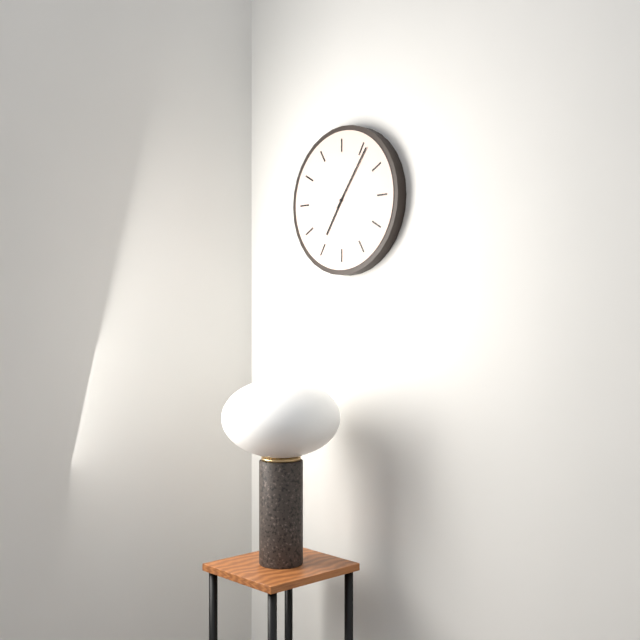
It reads **7:06**
